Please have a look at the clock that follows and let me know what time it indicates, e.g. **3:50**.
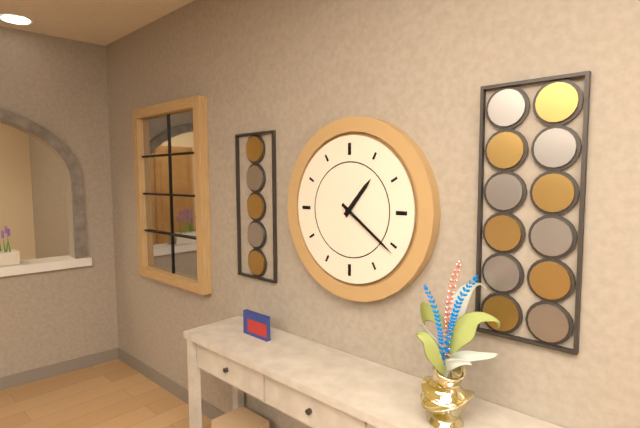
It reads **1:21**
